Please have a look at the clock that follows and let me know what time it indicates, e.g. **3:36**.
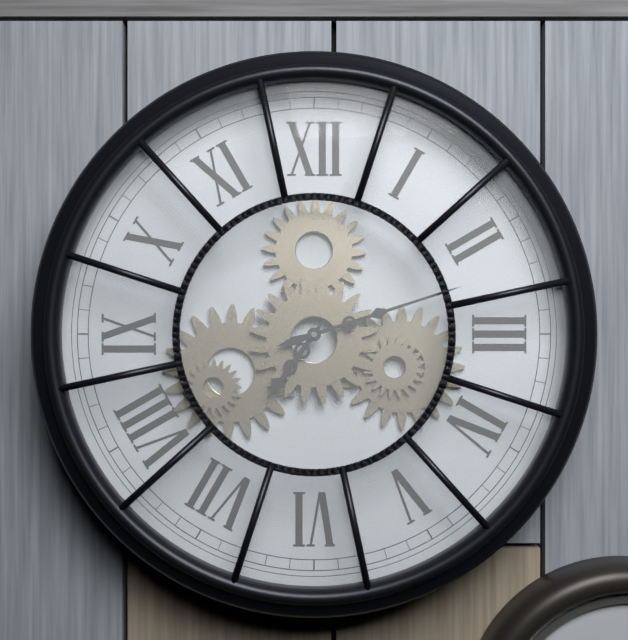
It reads **7:12**
